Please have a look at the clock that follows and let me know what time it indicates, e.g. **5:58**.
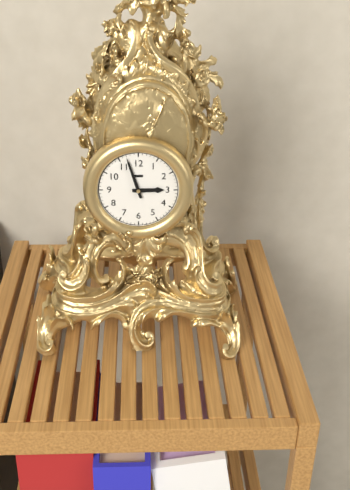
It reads **2:57**
